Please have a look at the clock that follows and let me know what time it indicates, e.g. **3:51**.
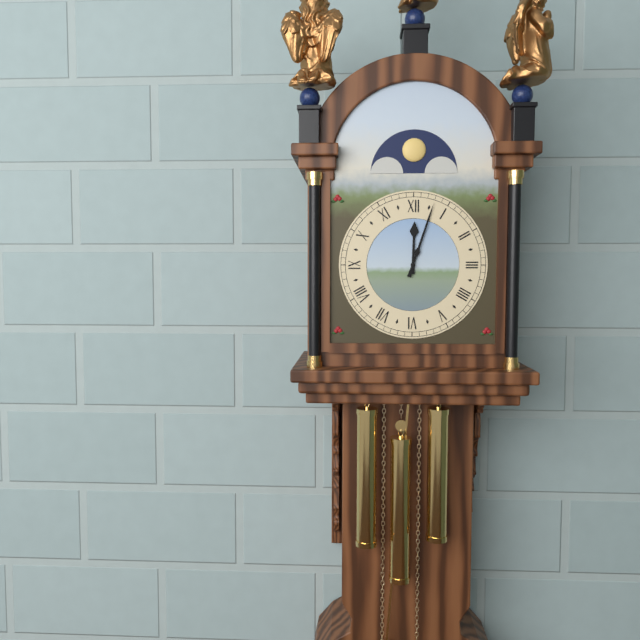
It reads **12:03**
